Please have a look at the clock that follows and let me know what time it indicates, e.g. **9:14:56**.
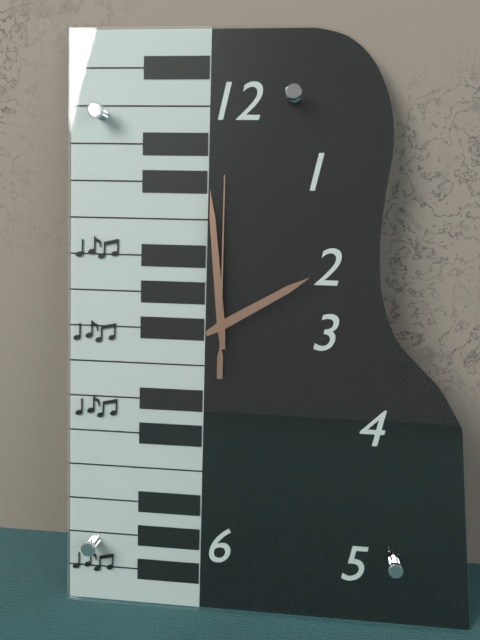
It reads **1:59:00**
